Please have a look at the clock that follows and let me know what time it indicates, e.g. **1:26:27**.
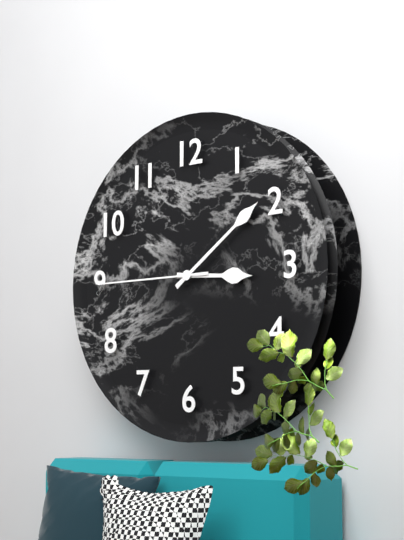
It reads **3:09:45**
